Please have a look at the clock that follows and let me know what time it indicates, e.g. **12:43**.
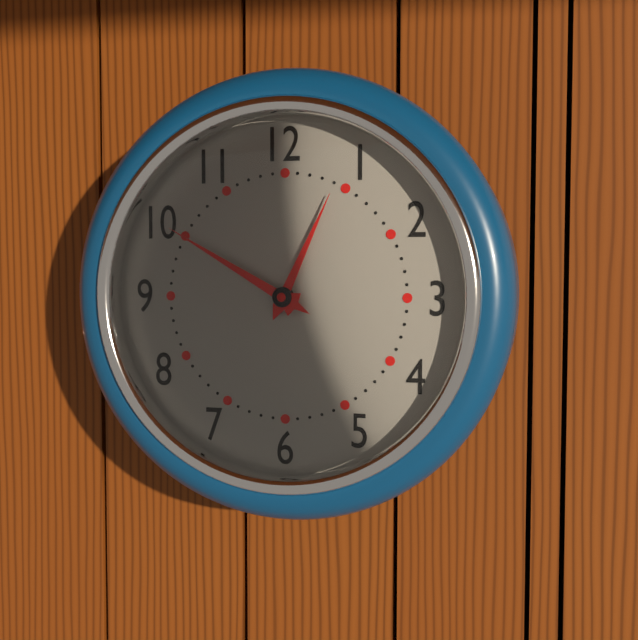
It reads **12:50**
